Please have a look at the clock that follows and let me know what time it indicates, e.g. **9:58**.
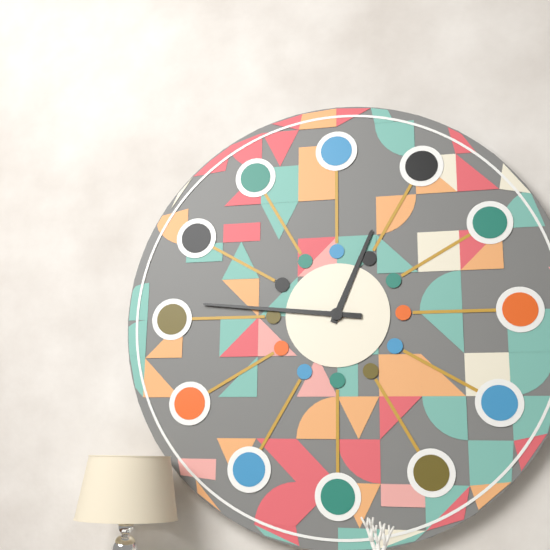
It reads **12:46**
